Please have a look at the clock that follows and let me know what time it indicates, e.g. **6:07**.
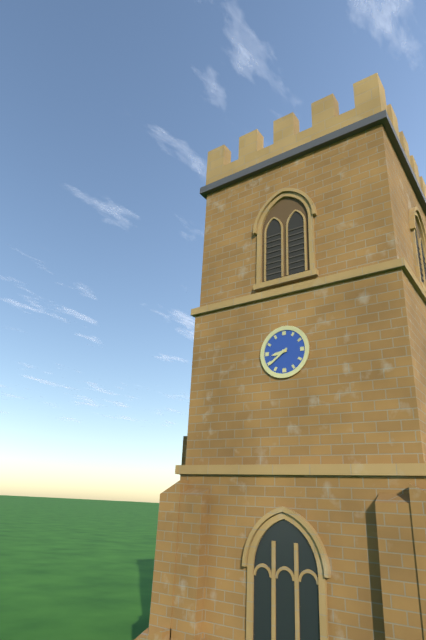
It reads **8:39**
